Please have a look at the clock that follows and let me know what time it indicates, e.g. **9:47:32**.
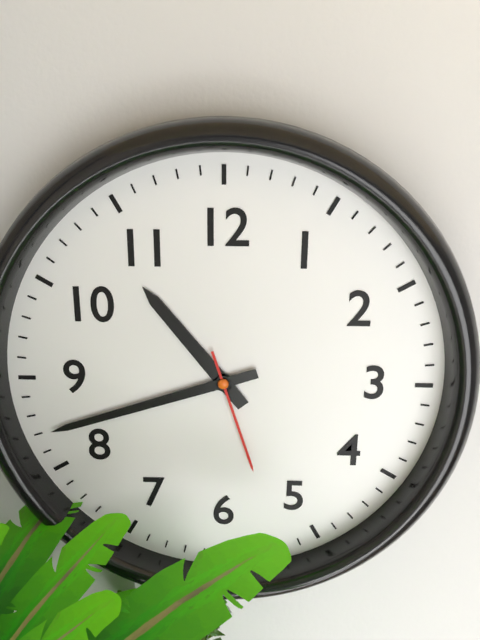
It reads **10:42:27**
